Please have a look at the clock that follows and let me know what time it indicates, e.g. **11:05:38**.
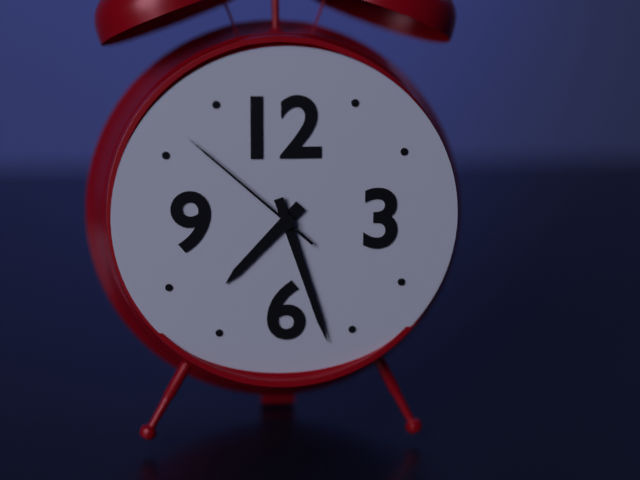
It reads **7:27:52**
